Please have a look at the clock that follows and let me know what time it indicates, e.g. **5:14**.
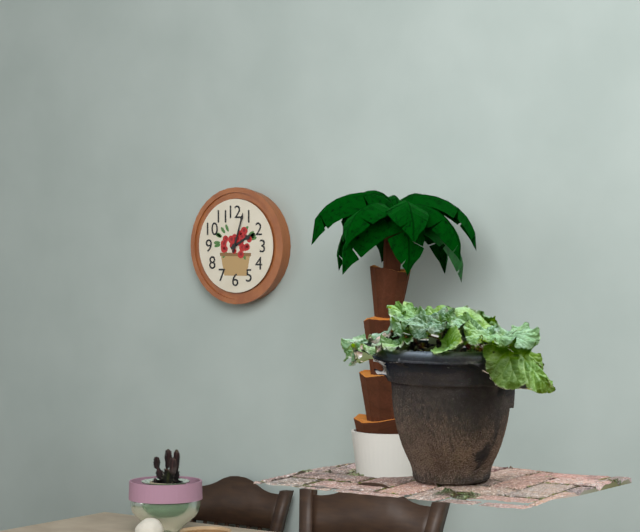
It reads **2:03**
